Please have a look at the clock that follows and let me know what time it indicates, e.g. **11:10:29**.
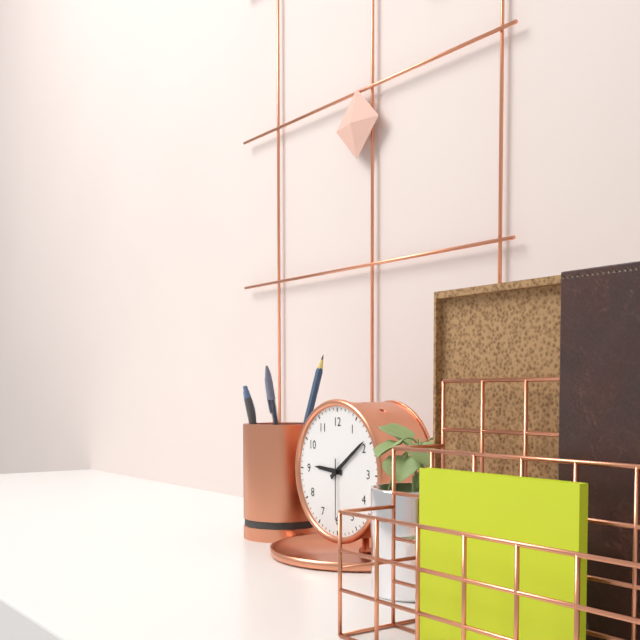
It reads **9:09:30**
